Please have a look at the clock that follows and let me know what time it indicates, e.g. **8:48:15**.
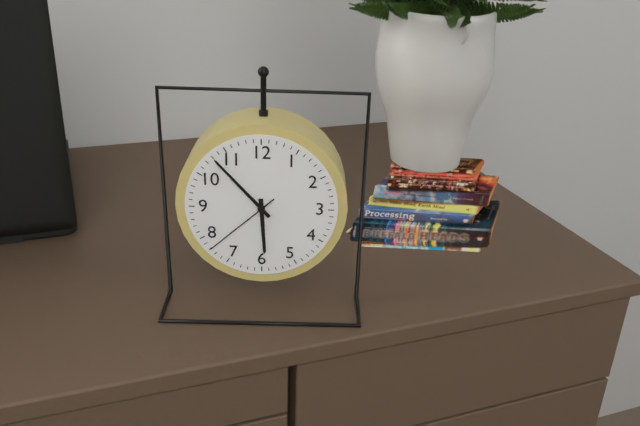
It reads **5:53:38**
